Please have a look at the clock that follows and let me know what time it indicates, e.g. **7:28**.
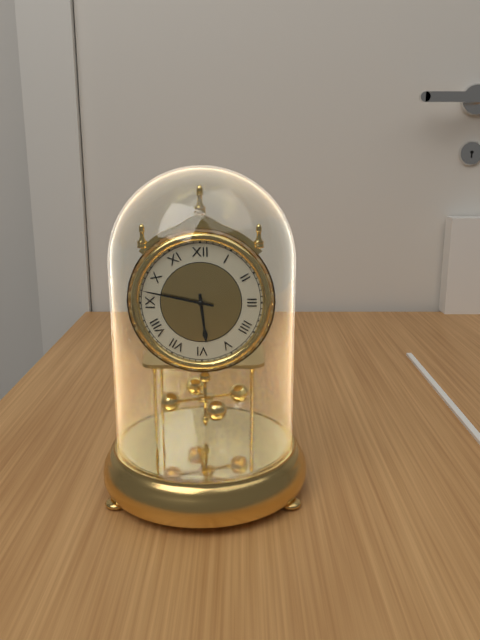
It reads **5:47**
